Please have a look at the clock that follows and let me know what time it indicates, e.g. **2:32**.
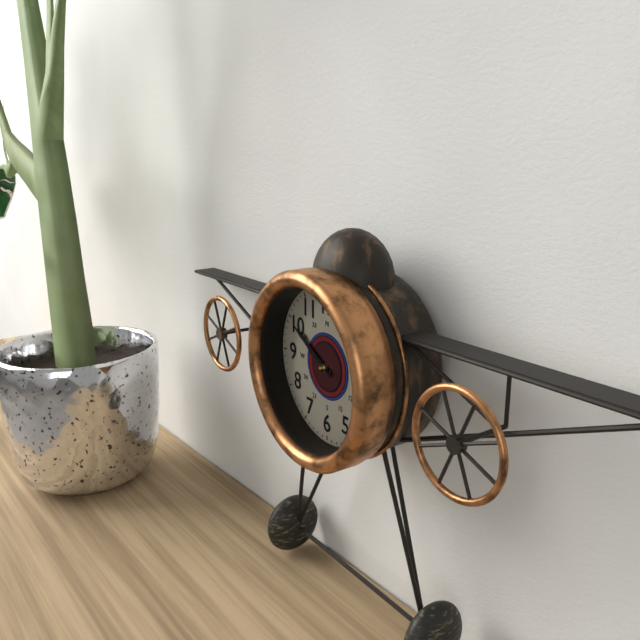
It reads **9:50**
